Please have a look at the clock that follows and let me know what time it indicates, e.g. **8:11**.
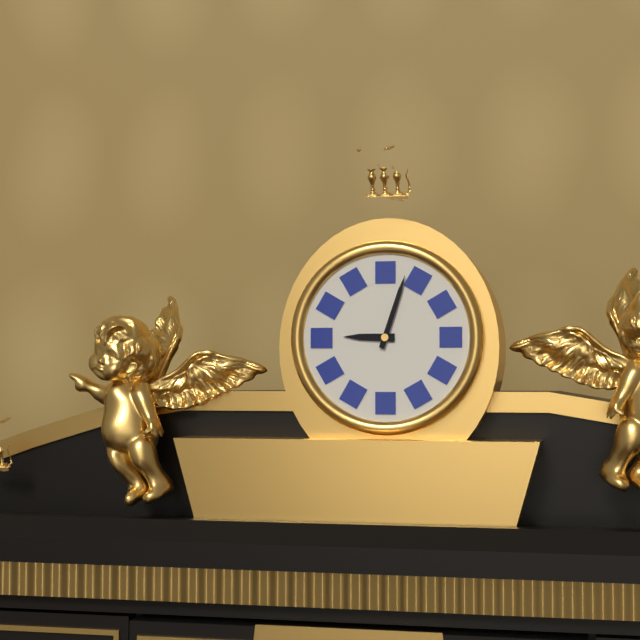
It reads **9:03**
